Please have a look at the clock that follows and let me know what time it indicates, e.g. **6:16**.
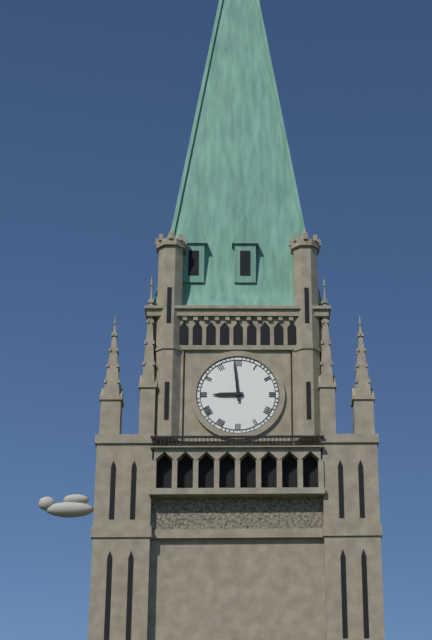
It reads **8:59**
